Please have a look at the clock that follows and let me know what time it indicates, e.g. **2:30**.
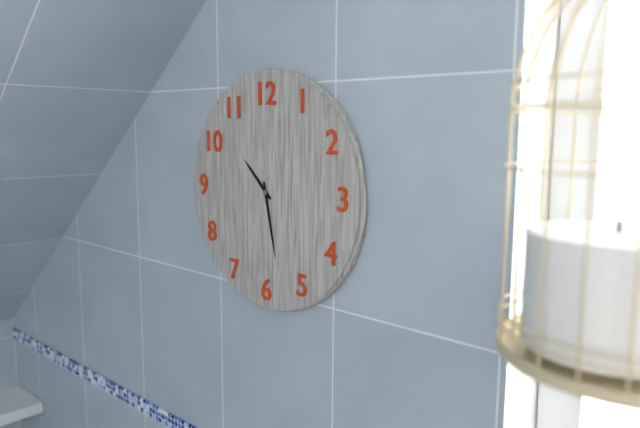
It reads **10:28**
